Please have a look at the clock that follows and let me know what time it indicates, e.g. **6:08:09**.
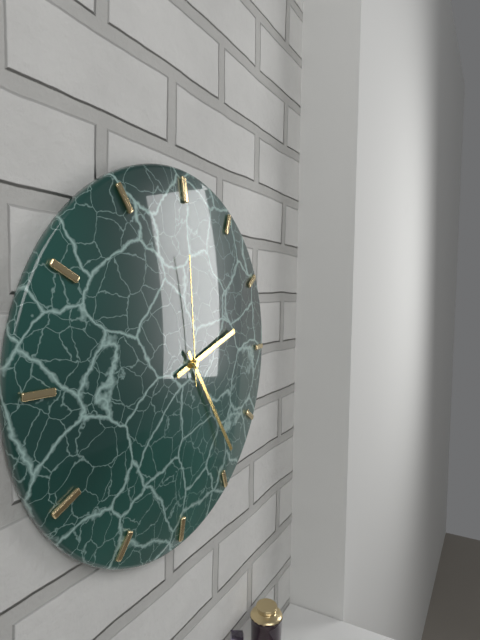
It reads **2:24:59**
